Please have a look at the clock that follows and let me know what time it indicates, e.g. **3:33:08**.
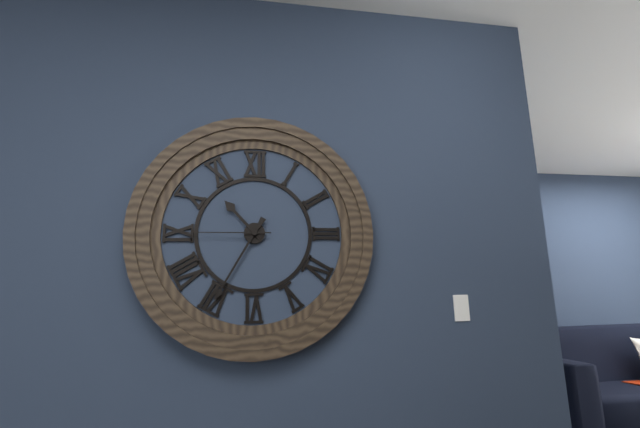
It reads **10:35:45**
